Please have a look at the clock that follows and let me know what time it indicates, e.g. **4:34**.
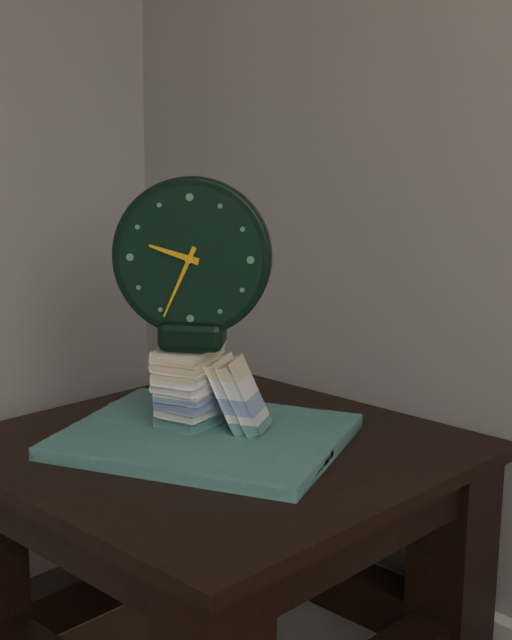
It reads **9:34**
